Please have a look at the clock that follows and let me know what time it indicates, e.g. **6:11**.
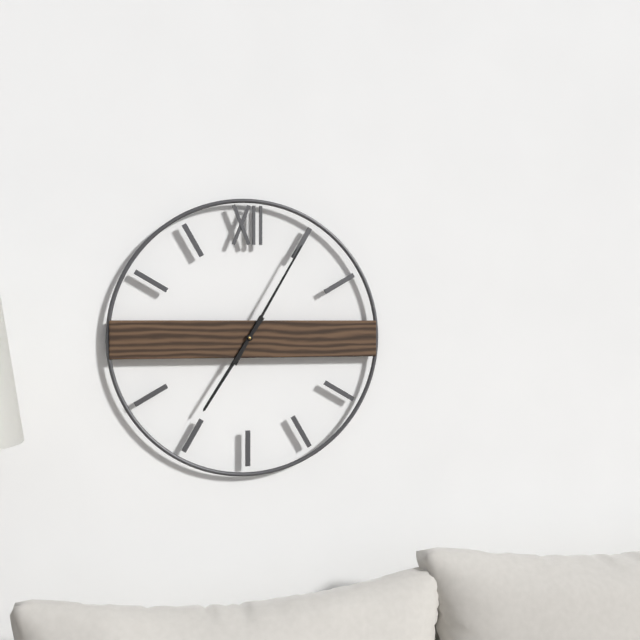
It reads **7:05**
